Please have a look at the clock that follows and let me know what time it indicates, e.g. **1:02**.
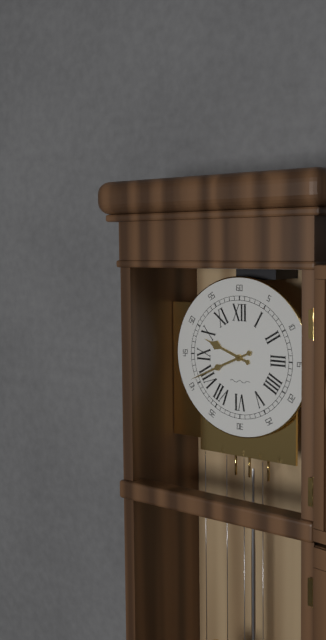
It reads **9:41**
